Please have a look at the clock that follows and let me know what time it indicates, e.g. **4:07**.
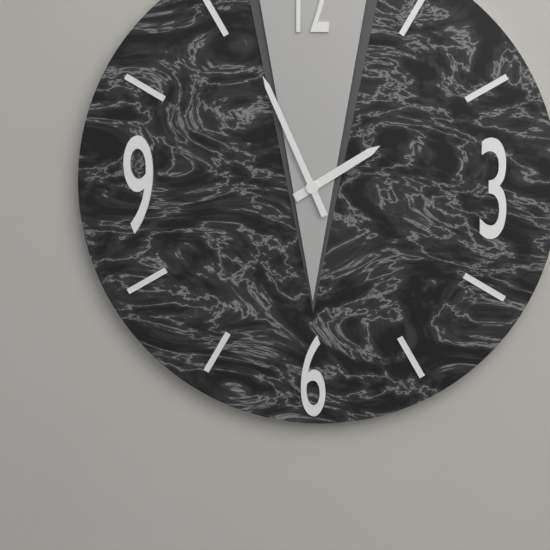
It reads **1:56**
